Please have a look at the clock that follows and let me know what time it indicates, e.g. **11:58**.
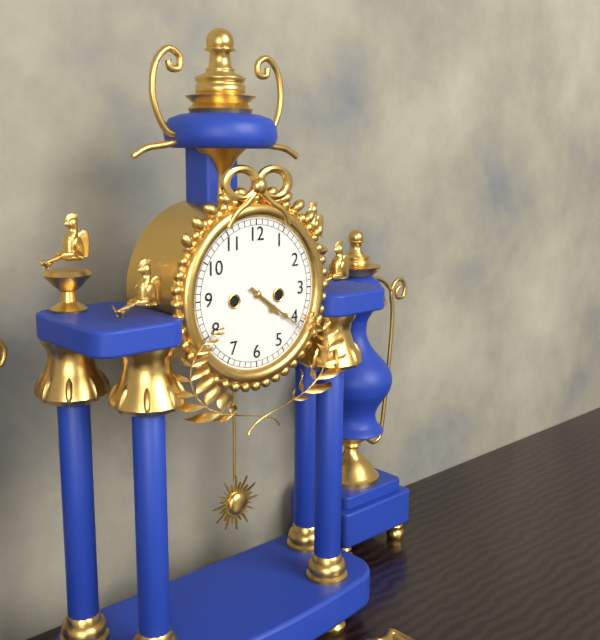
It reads **4:21**
